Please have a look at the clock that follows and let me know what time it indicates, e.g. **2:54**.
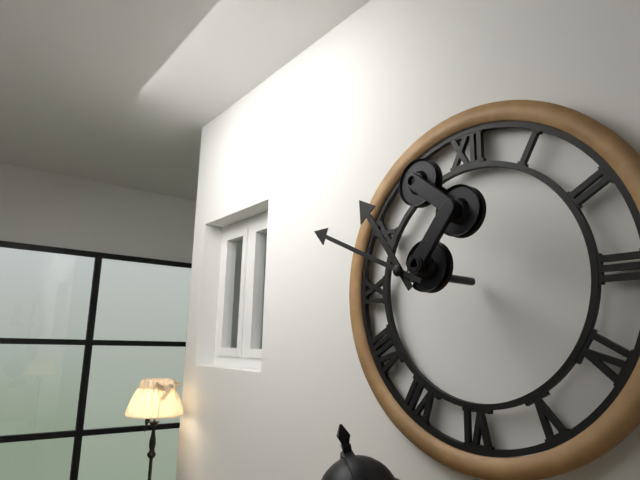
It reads **10:49**
